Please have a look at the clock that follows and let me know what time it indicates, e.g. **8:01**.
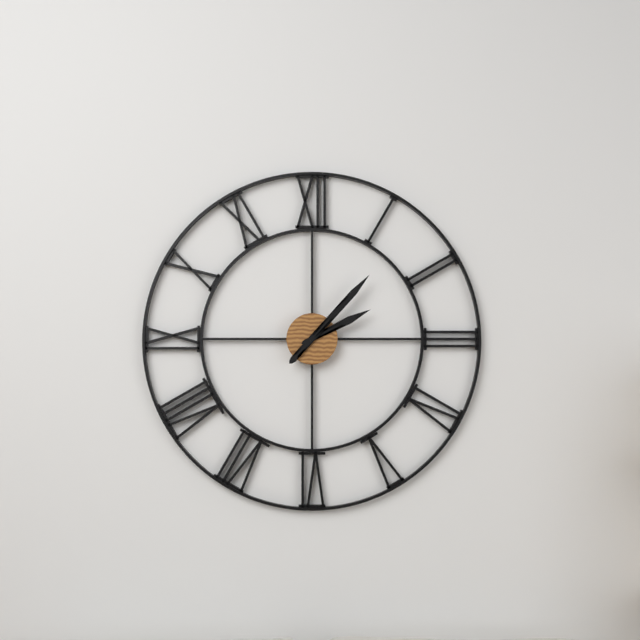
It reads **2:07**
